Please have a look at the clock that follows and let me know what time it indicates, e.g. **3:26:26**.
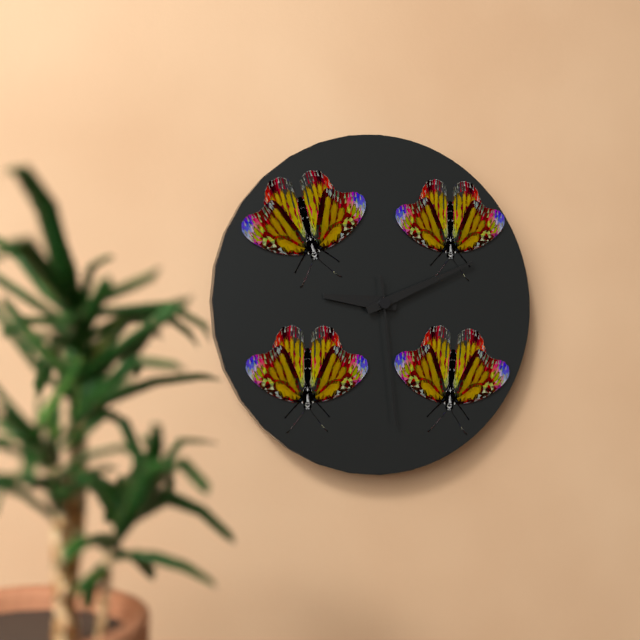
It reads **9:11:29**
